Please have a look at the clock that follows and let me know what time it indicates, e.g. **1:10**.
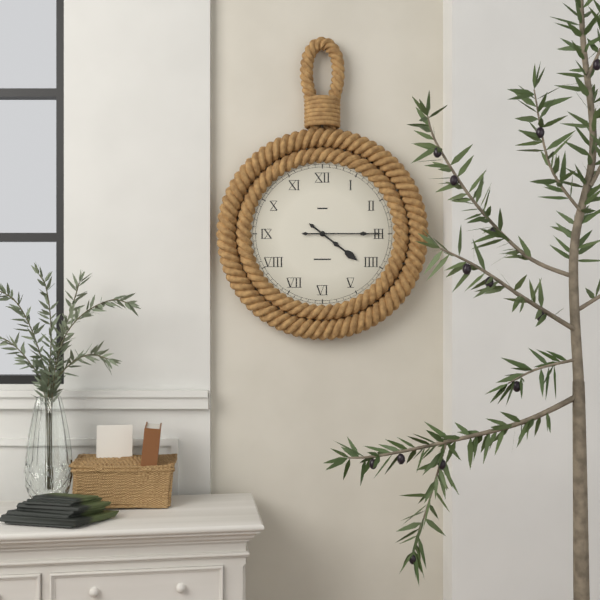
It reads **4:15**
